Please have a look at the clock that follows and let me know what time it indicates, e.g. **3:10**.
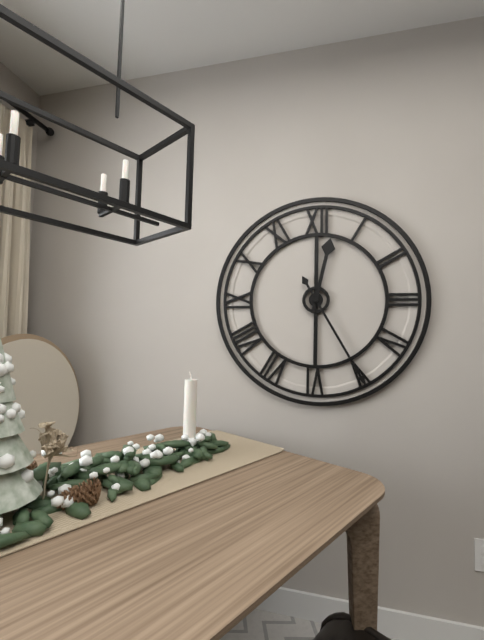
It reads **12:25**
